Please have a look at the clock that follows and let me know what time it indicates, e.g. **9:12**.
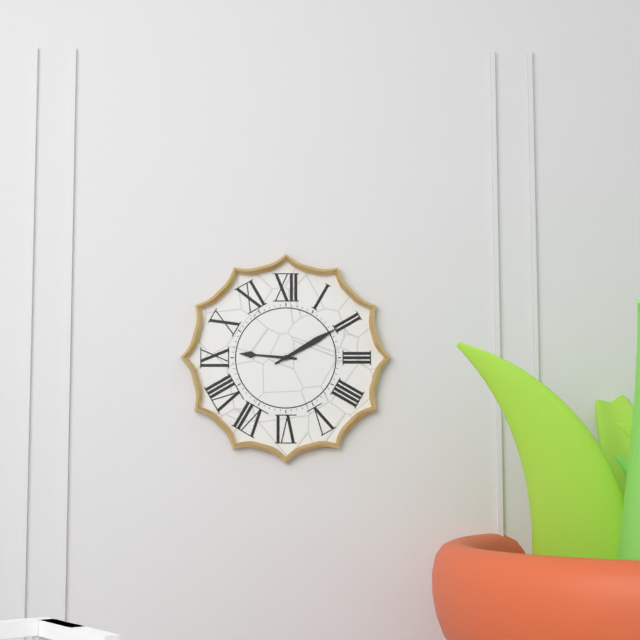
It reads **9:10**
